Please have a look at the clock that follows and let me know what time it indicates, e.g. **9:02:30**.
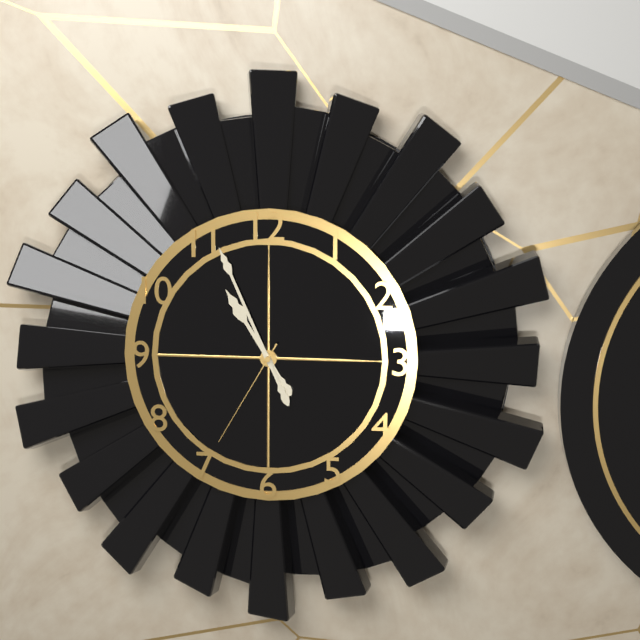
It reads **10:56:35**
